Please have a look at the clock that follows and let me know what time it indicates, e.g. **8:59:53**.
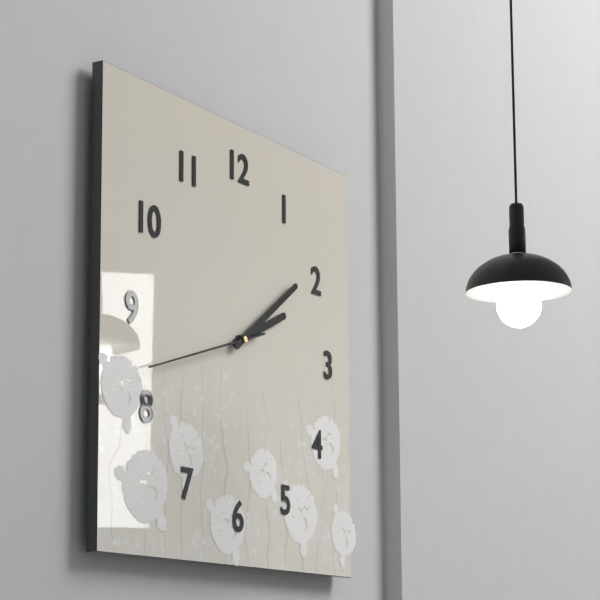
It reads **2:09:42**
